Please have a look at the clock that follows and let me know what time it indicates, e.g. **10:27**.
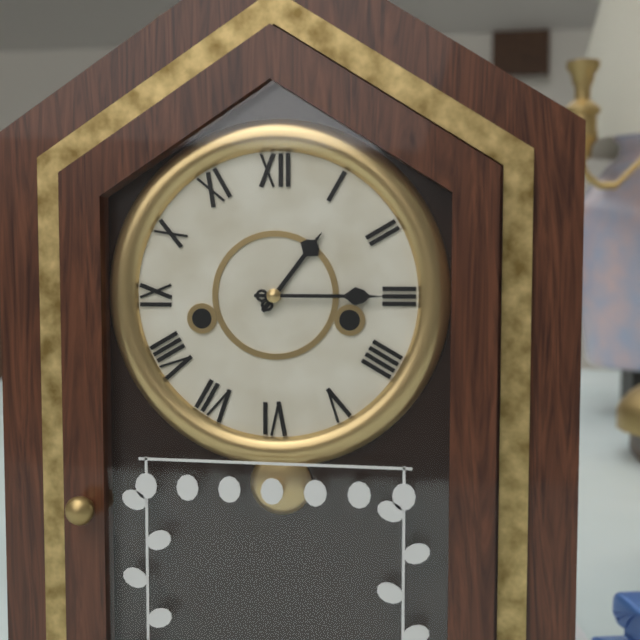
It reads **1:15**
